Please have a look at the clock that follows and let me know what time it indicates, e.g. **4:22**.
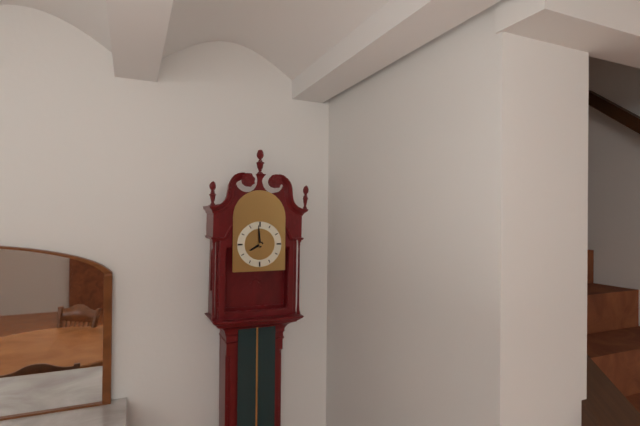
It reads **7:59**
